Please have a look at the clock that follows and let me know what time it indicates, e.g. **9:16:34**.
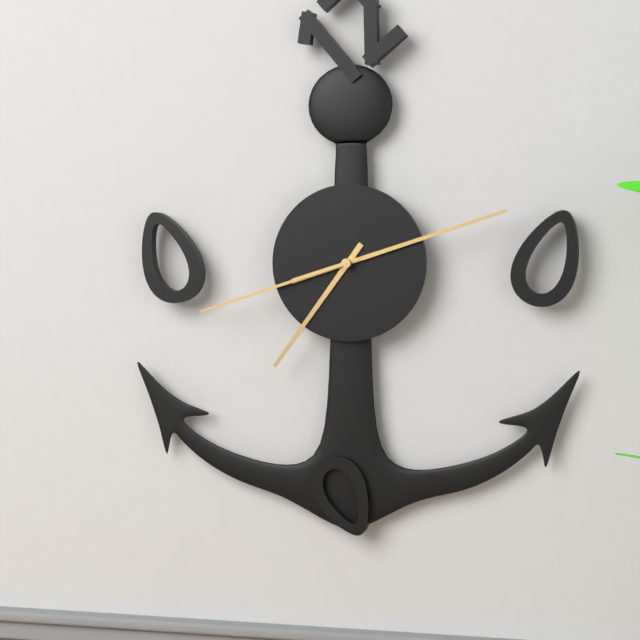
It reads **7:12:42**
